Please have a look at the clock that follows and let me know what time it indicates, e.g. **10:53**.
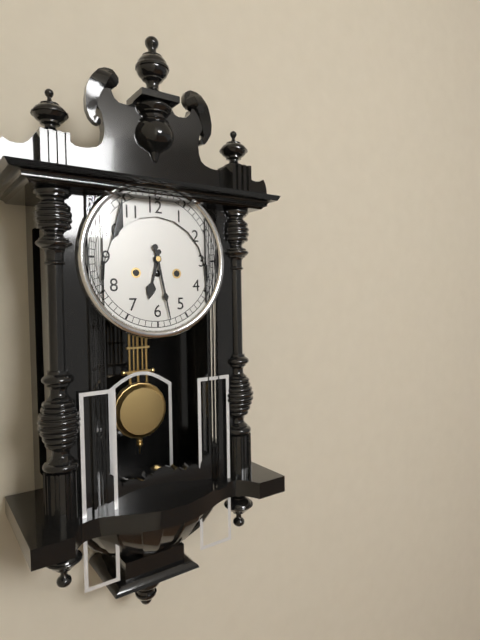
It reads **6:28**
